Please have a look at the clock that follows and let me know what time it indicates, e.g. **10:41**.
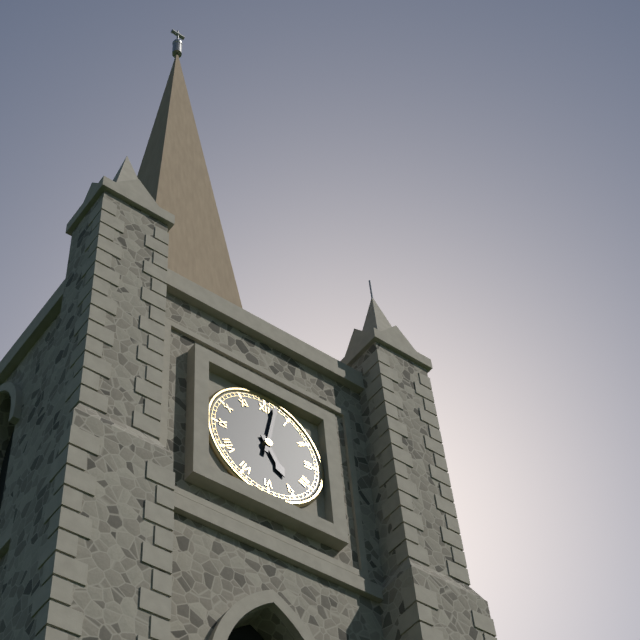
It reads **5:02**
